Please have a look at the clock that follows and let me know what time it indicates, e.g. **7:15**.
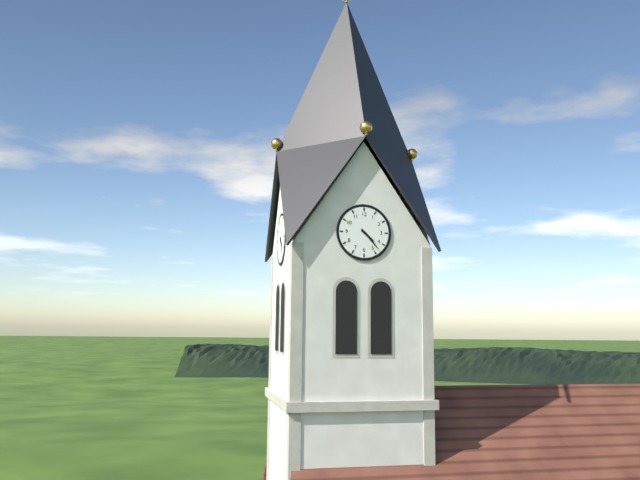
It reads **4:23**
